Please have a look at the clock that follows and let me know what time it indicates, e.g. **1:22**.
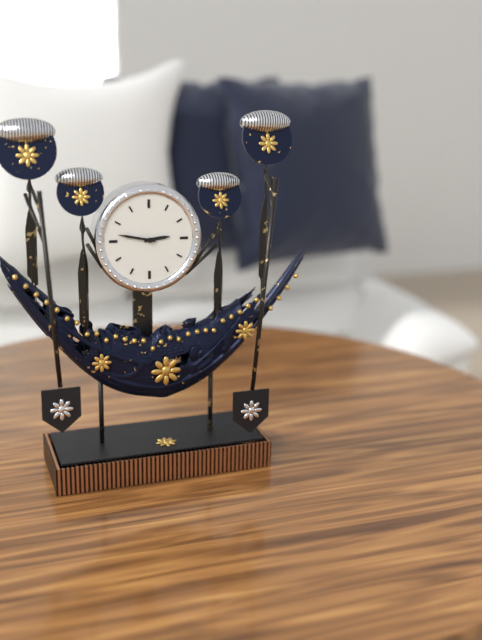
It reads **2:47**
